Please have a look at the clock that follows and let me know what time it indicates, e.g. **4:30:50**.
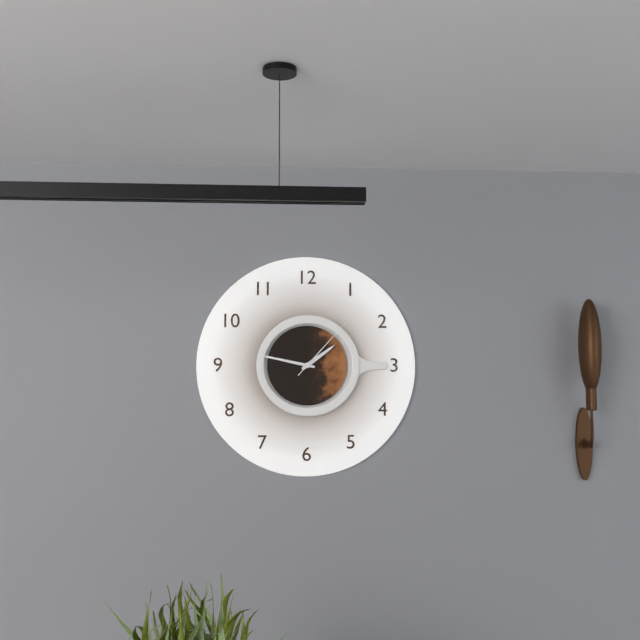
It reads **1:47:07**
